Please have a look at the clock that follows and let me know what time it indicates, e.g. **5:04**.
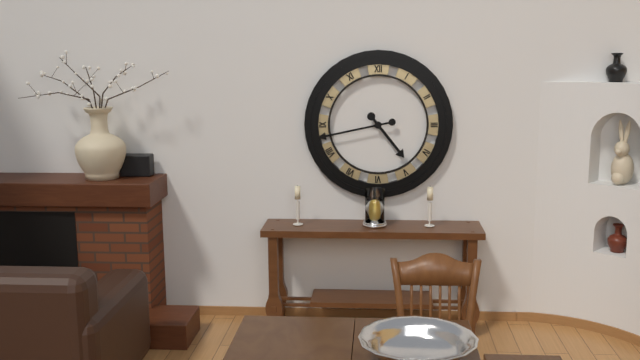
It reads **4:43**
